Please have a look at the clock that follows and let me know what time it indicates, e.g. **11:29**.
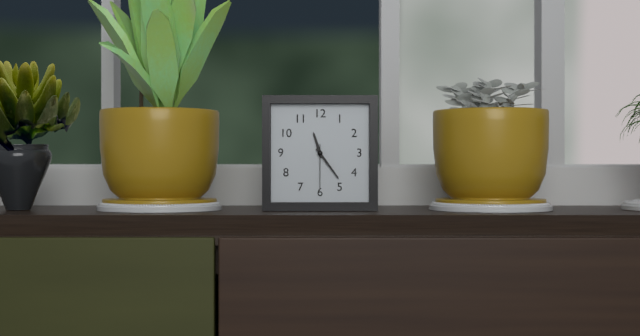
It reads **11:24**
